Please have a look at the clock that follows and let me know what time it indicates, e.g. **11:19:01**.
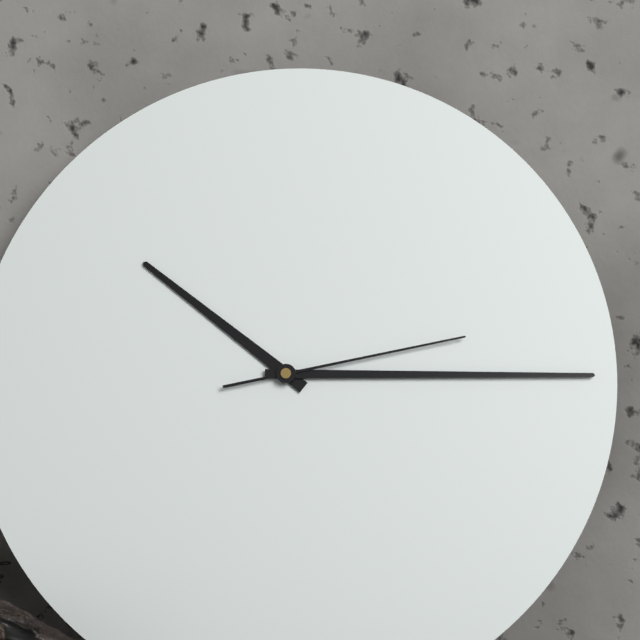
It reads **10:15:13**
